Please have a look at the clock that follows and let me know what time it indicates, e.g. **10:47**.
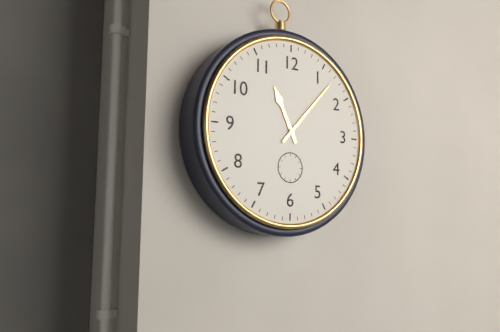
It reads **11:07**
